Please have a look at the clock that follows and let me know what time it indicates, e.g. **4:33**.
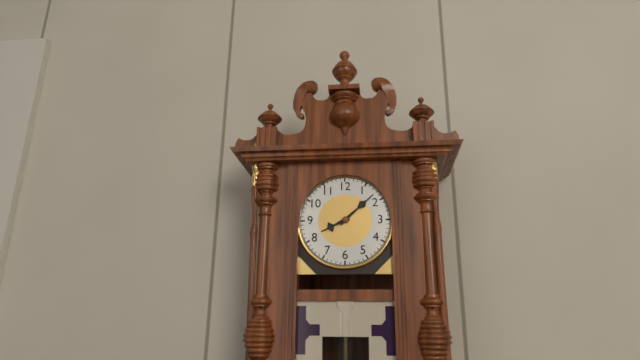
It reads **8:08**
